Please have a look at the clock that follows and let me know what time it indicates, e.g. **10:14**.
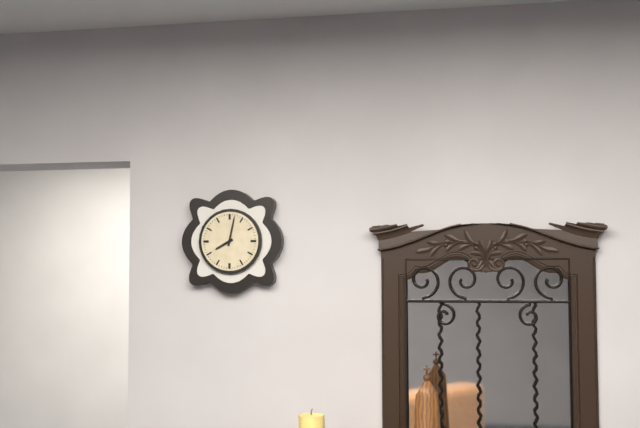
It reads **8:02**
